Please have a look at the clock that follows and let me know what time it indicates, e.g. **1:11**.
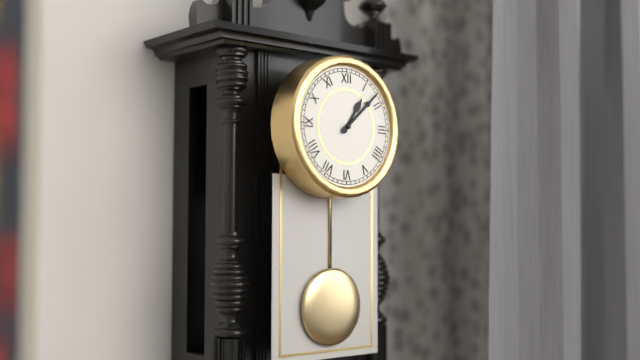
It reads **1:08**
